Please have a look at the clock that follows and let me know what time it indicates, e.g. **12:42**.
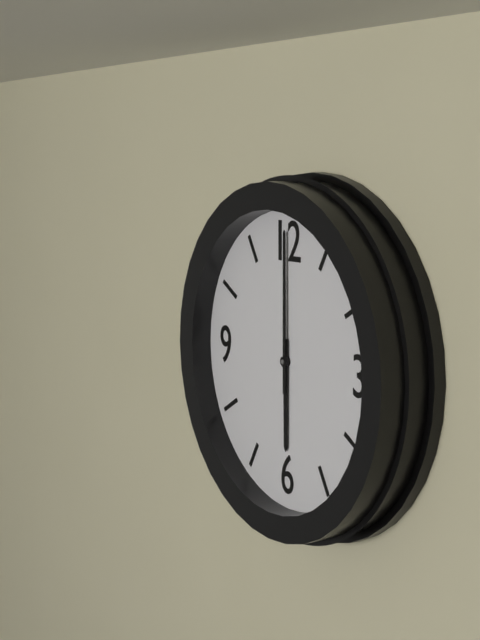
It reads **6:00**
